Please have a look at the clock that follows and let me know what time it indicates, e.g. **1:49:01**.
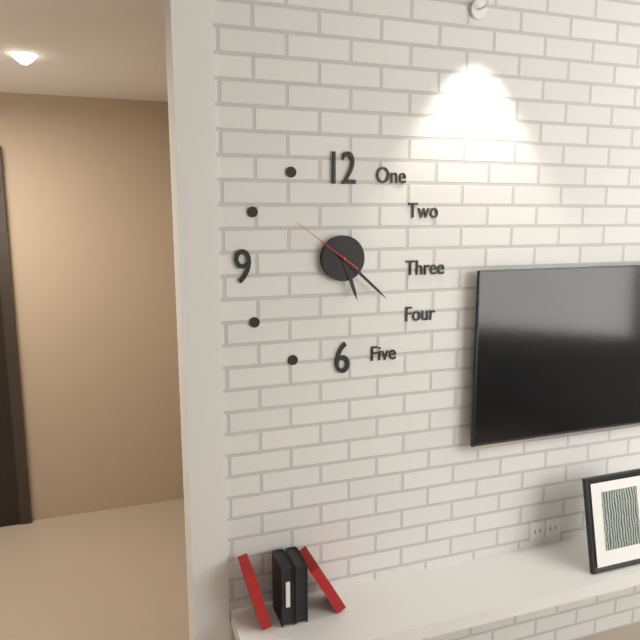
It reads **5:22:51**
